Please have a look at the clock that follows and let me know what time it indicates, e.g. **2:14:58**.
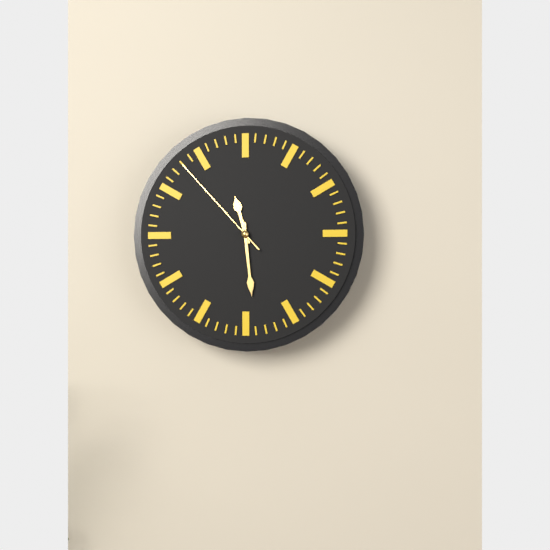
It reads **11:29:53**
